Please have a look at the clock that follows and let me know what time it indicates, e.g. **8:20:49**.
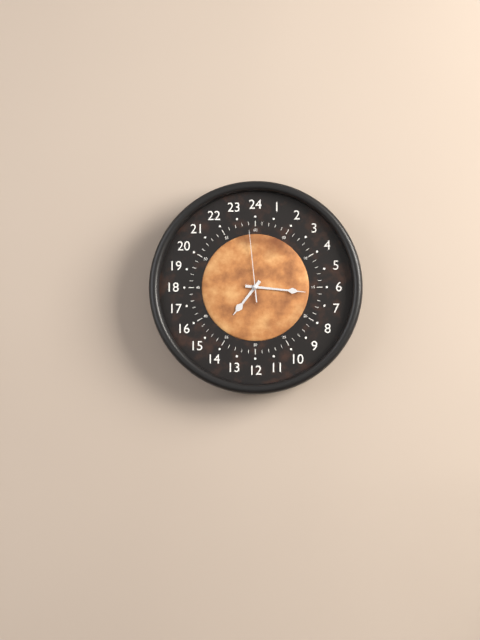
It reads **7:16:59**
